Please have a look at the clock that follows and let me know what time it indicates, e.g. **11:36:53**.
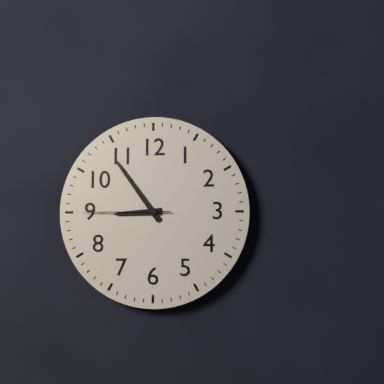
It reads **8:54:45**
